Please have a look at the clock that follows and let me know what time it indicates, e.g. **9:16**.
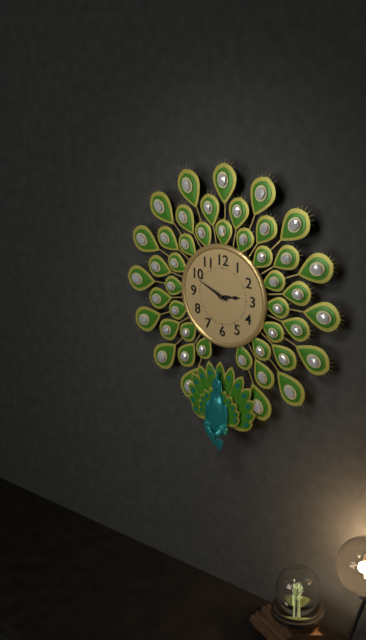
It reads **2:49**
